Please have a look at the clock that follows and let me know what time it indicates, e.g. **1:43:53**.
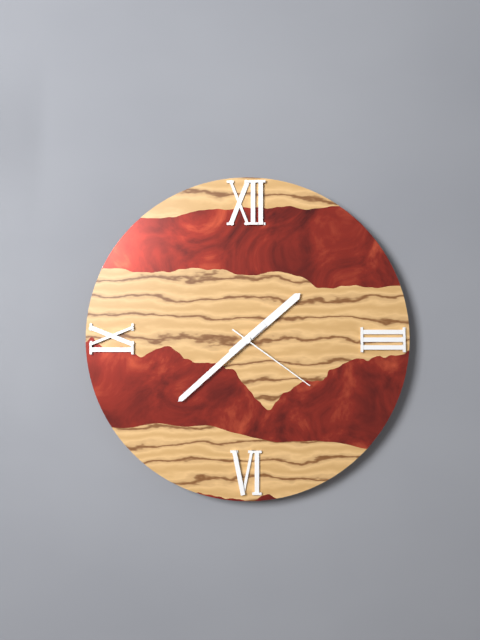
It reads **1:38:21**
